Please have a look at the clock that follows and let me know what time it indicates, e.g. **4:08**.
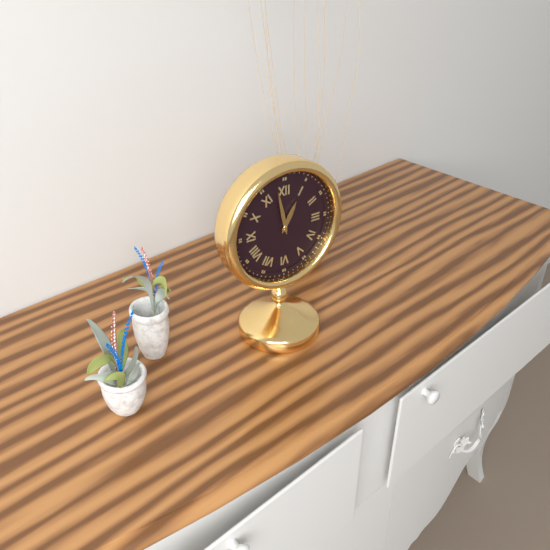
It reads **12:58**
